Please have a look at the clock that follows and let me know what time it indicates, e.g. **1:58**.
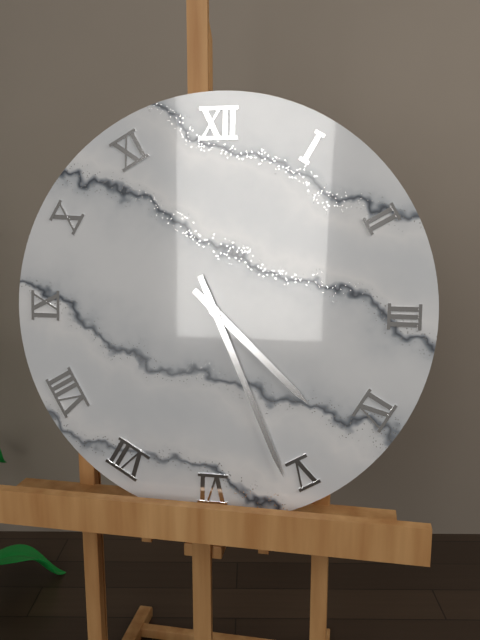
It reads **4:26**
